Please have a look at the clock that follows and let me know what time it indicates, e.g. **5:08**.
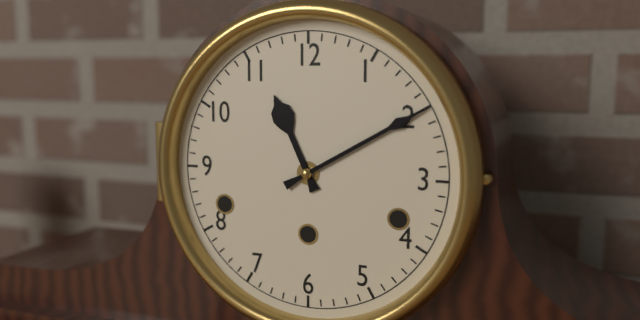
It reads **11:10**
